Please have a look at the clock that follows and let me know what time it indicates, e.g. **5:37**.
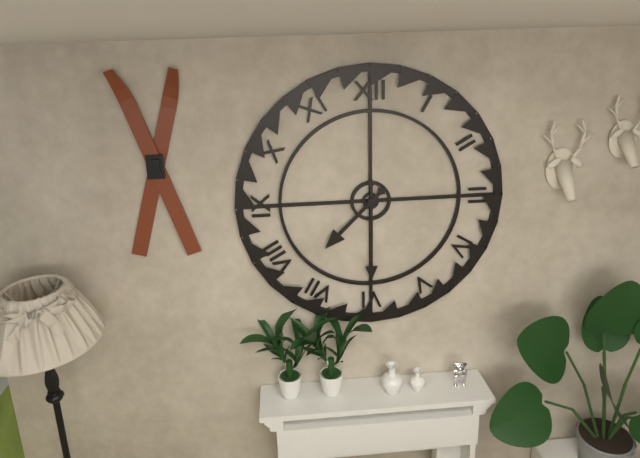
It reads **7:30**
